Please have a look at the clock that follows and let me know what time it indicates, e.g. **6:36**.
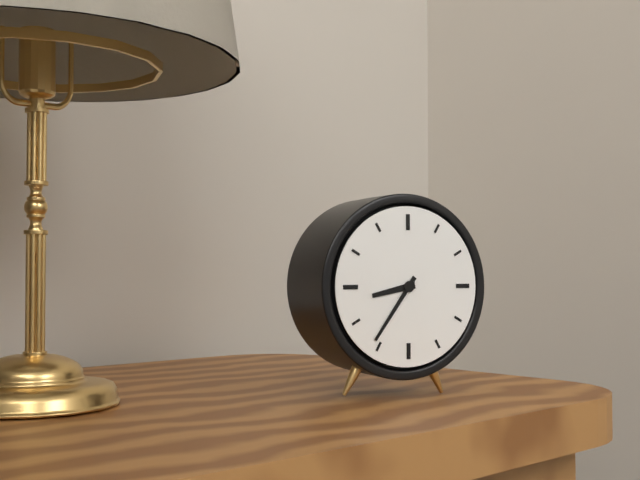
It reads **8:36**
